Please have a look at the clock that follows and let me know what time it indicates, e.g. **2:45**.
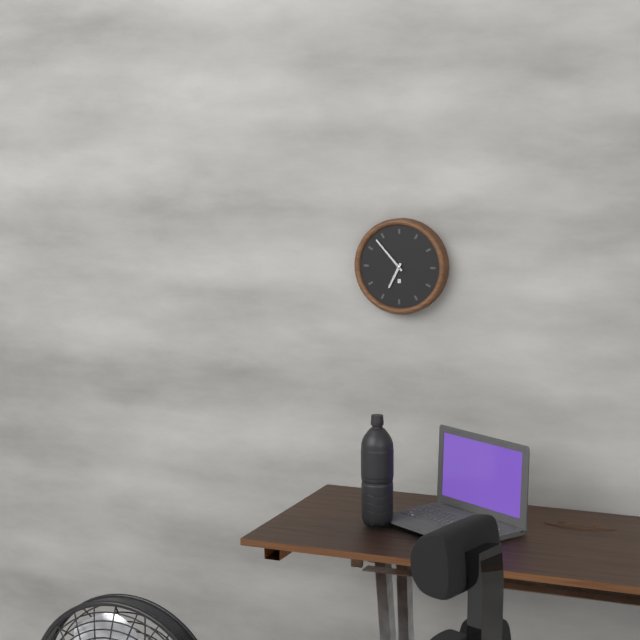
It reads **6:53**
